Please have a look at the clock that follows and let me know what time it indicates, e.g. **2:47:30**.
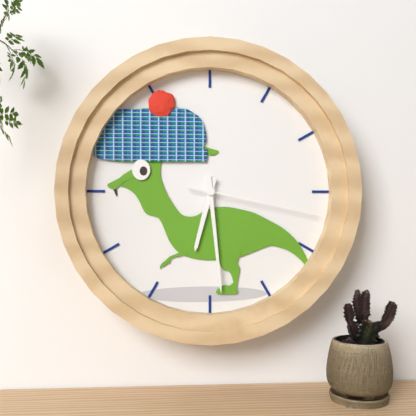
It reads **6:29:17**
